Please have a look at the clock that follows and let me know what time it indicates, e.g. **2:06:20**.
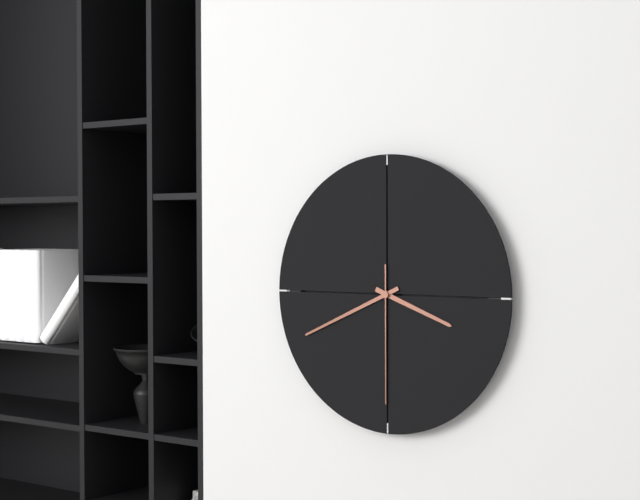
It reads **3:41:30**
